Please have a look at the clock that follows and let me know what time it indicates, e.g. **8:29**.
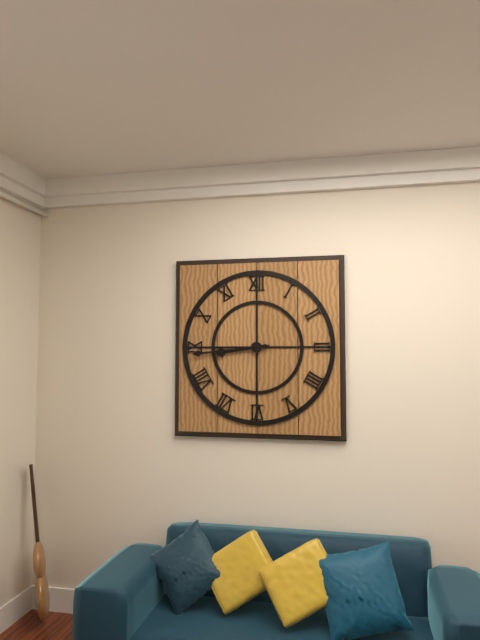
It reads **8:44**
